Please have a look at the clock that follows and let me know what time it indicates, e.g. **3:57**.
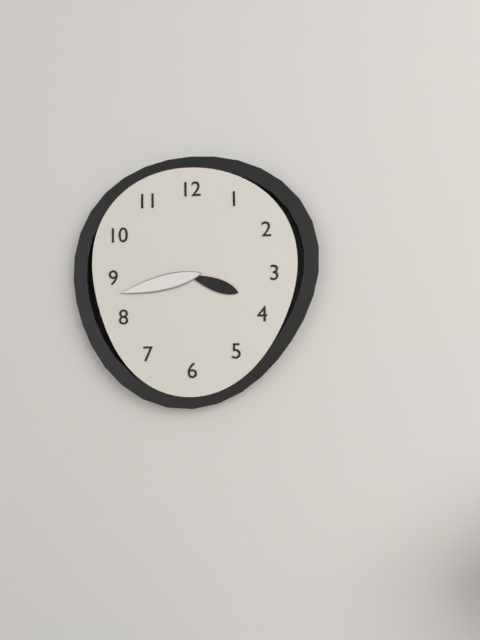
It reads **3:43**
